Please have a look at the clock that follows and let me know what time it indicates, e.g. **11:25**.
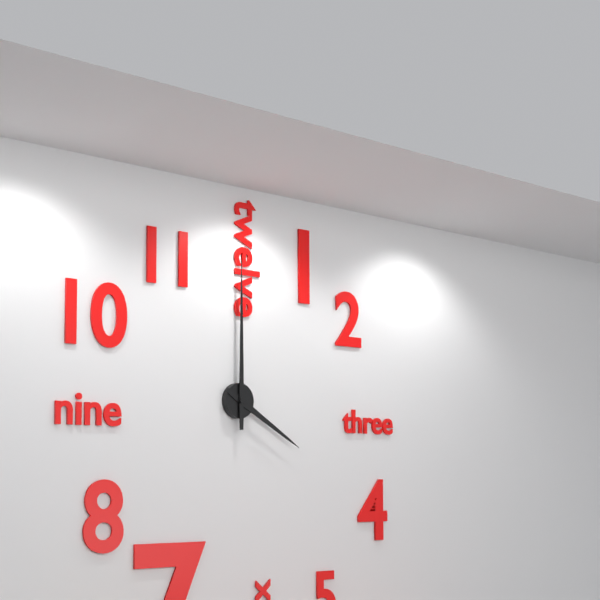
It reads **4:00**
